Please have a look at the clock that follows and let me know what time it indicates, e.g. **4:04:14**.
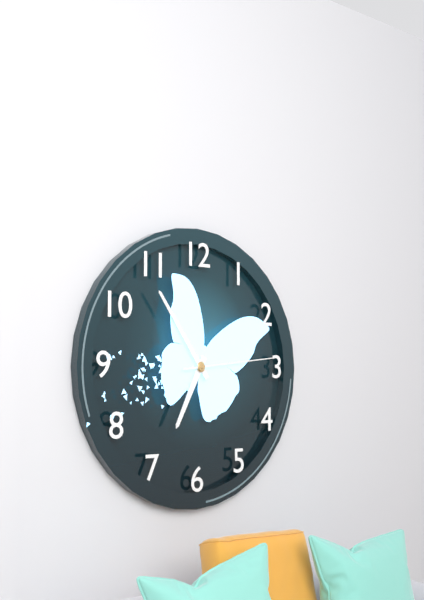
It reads **6:54:14**
